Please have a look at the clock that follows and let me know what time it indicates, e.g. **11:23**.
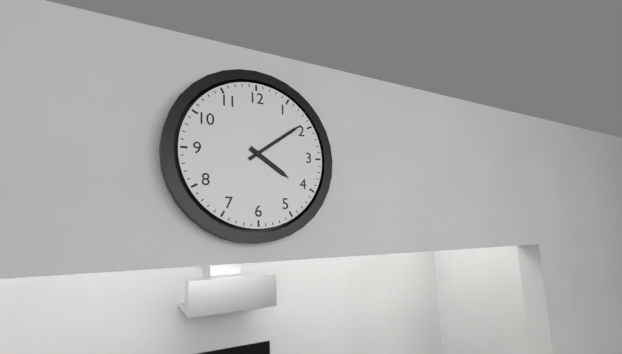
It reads **4:09**
